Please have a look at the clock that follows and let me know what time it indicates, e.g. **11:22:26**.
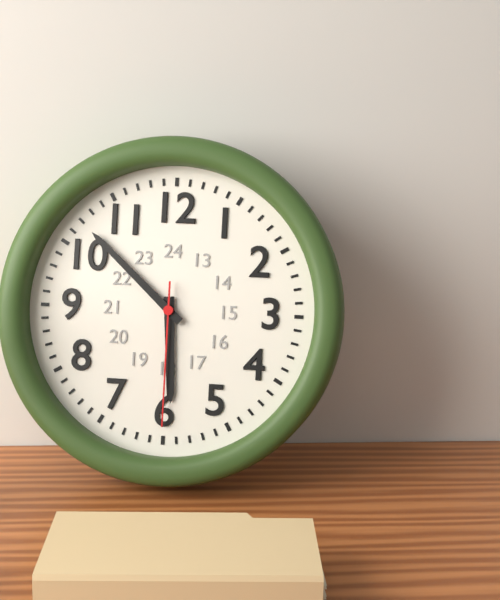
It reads **5:52:30**
